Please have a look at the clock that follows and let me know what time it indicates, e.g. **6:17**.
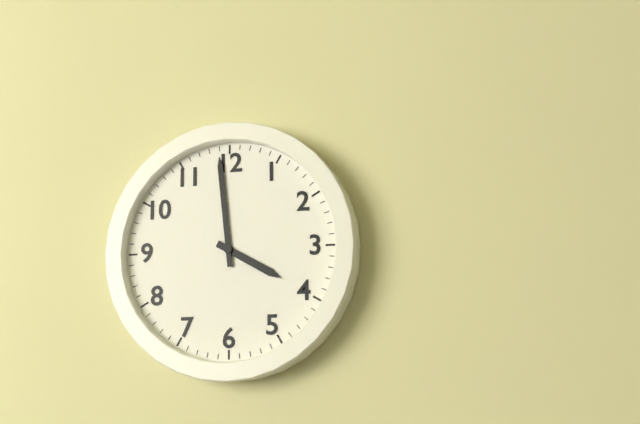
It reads **3:59**
